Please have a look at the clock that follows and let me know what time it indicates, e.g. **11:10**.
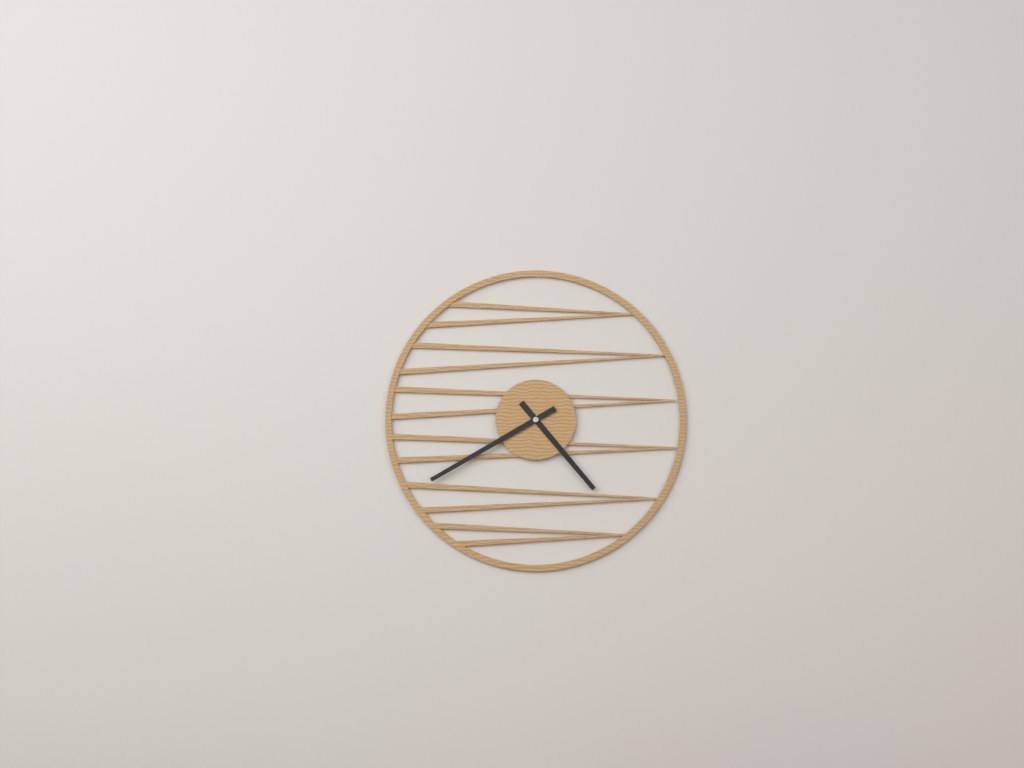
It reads **4:40**
